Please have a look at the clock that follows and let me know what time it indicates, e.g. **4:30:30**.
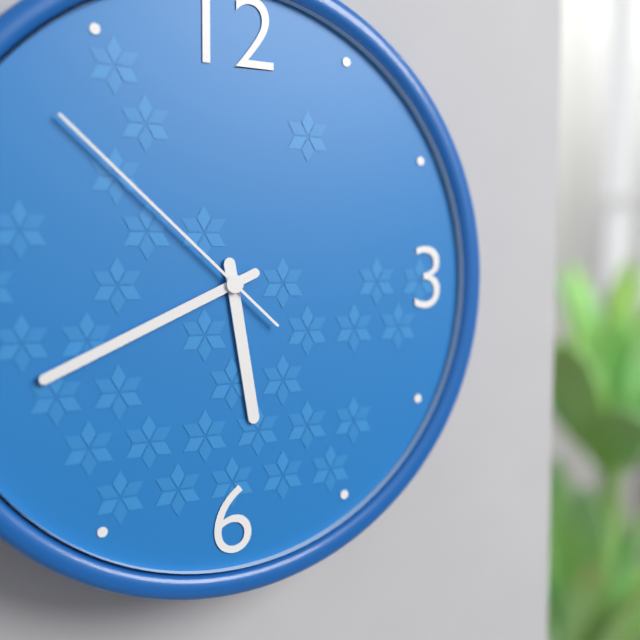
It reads **5:41:52**
